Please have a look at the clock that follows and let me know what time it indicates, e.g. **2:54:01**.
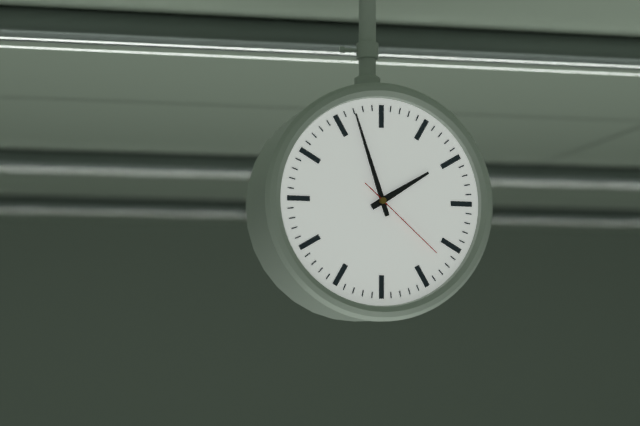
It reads **1:57:22**
